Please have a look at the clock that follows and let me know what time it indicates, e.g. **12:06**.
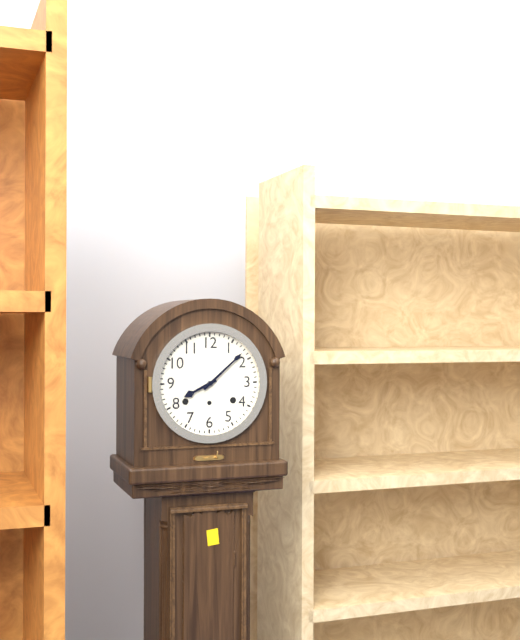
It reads **8:08**
